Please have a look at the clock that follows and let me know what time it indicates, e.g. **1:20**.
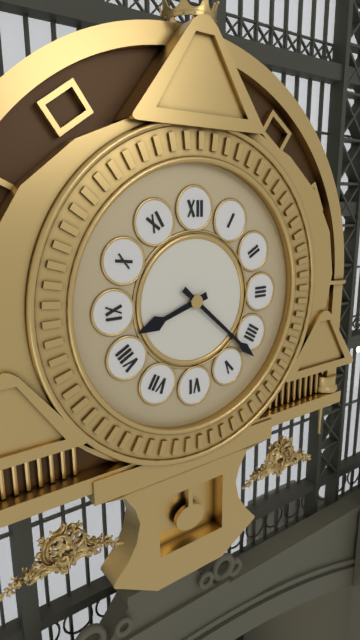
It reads **8:22**
